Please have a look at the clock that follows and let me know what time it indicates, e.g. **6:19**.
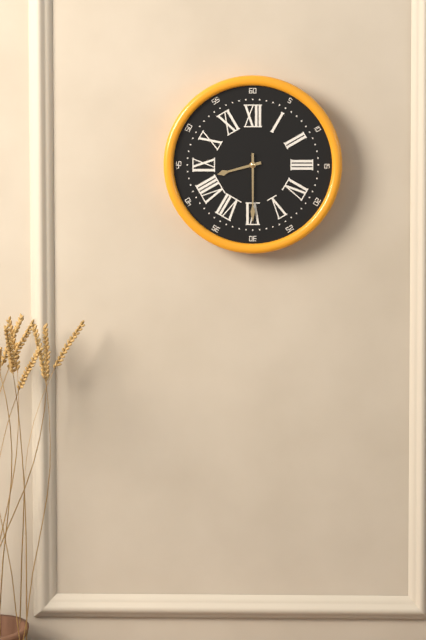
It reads **8:30**
